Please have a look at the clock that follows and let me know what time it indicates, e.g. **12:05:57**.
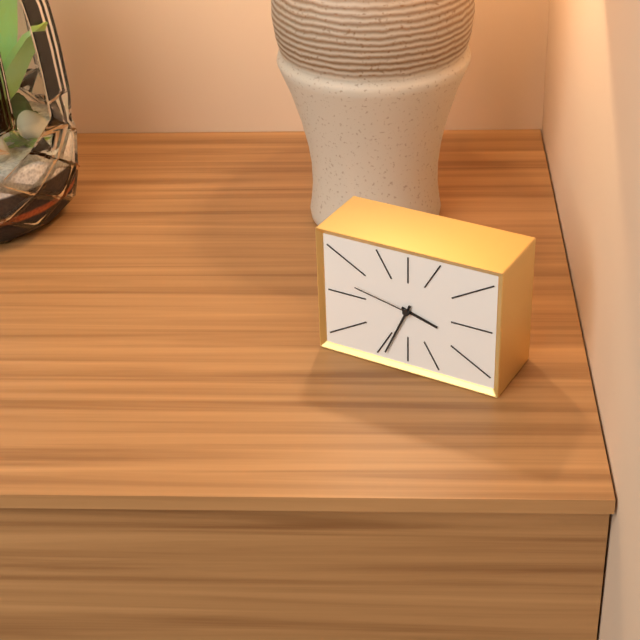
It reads **3:34:47**
